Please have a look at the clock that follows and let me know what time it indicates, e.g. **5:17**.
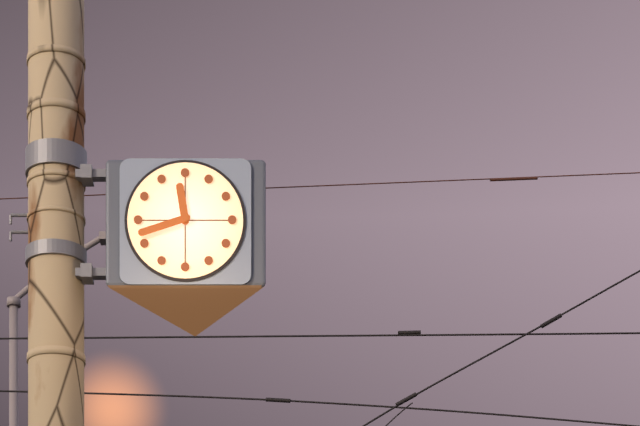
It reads **11:42**
